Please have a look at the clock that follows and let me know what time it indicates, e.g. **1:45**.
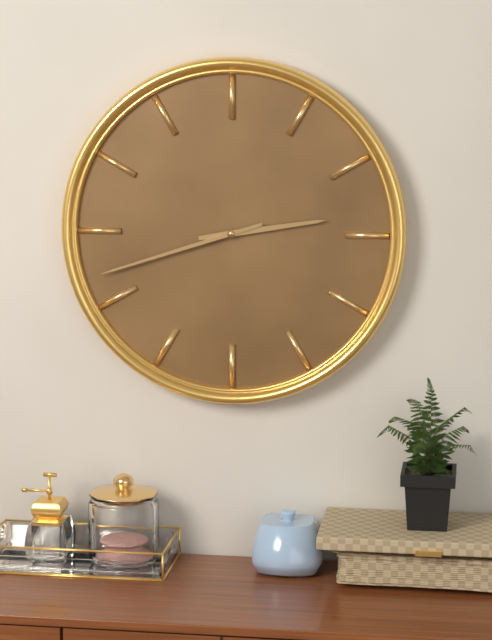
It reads **2:42**
